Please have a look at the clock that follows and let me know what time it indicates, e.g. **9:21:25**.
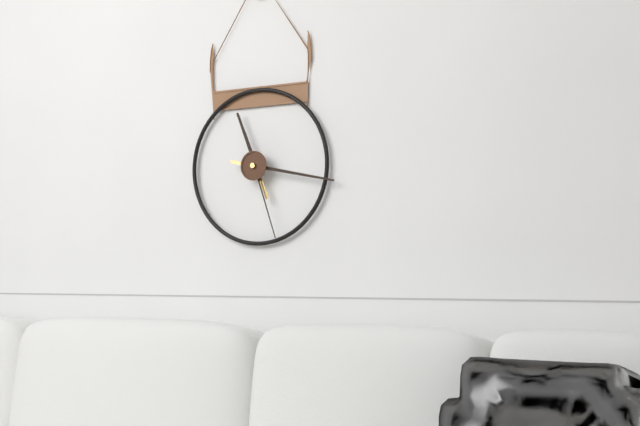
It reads **11:17:27**
